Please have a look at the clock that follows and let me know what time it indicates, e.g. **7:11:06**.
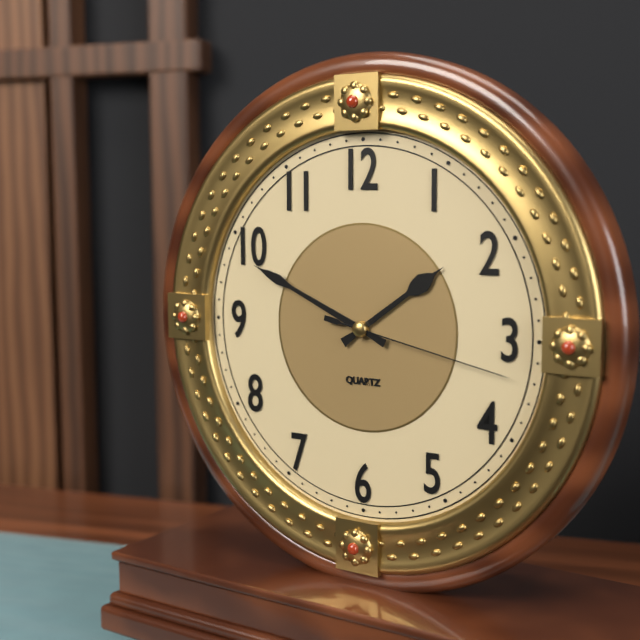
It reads **1:49:17**
